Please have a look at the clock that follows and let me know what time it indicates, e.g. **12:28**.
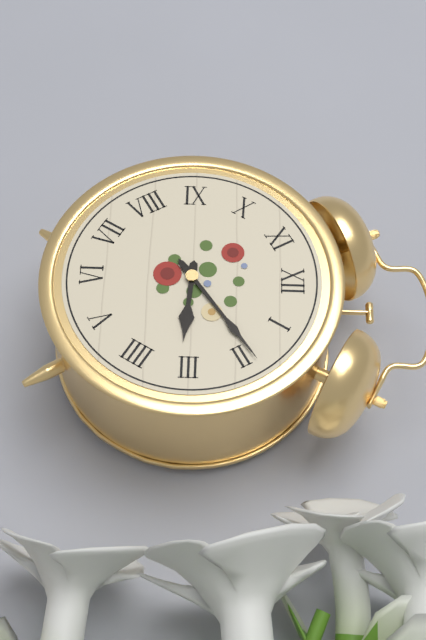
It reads **3:09**
